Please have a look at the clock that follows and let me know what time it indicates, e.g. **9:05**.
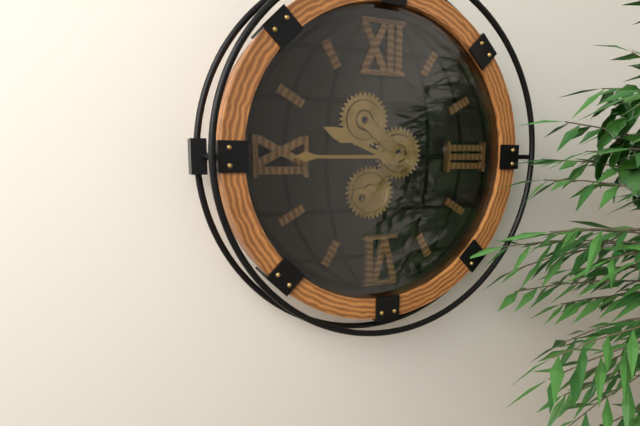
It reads **9:45**
